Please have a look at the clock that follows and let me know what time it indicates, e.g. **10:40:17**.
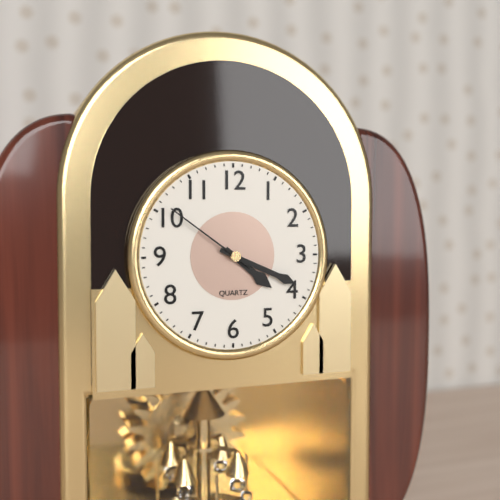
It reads **4:19:51**
